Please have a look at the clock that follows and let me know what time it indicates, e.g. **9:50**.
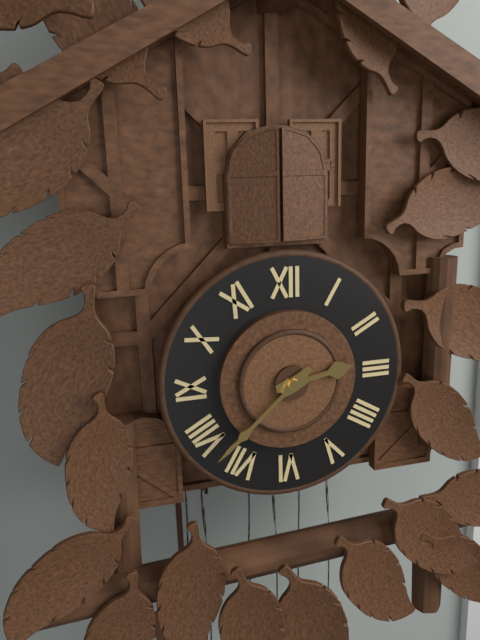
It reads **2:38**
